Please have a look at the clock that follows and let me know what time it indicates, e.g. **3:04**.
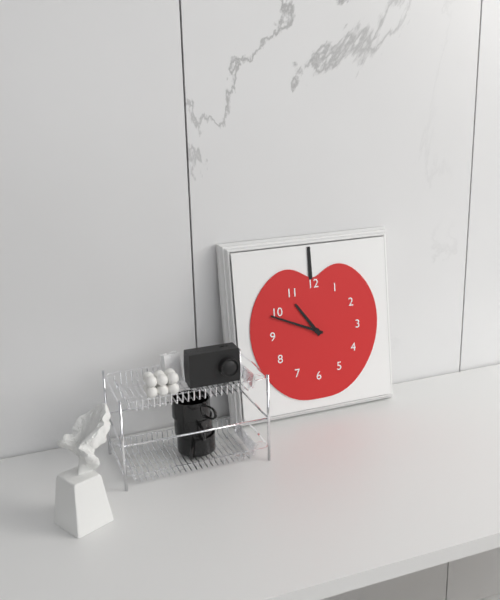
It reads **10:49**
